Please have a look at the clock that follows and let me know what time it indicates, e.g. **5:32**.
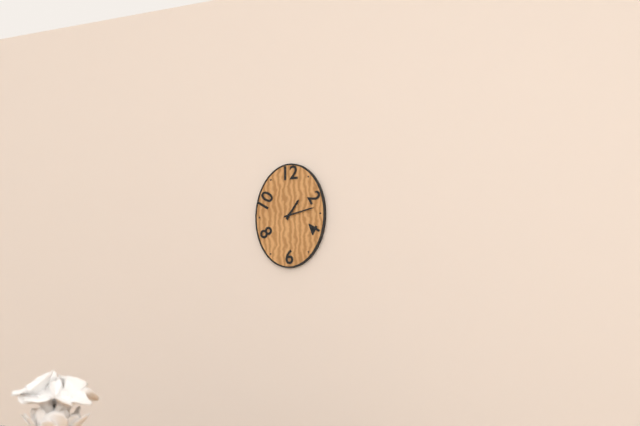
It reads **1:13**
